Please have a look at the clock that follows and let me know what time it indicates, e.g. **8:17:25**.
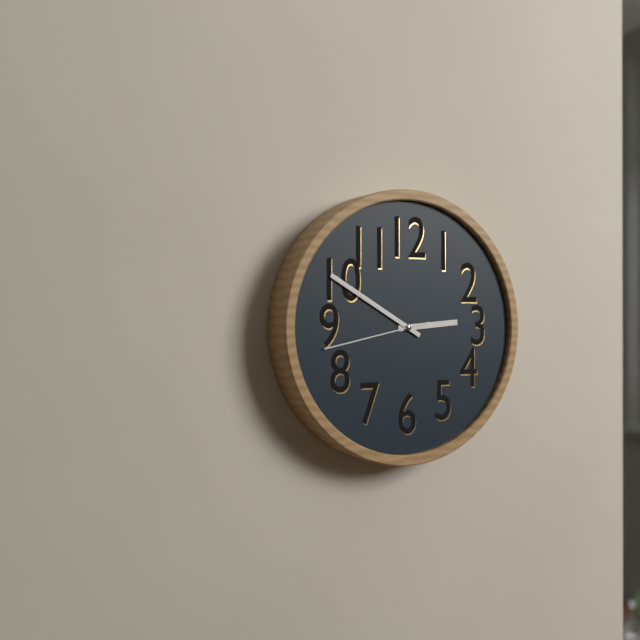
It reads **2:50:43**
